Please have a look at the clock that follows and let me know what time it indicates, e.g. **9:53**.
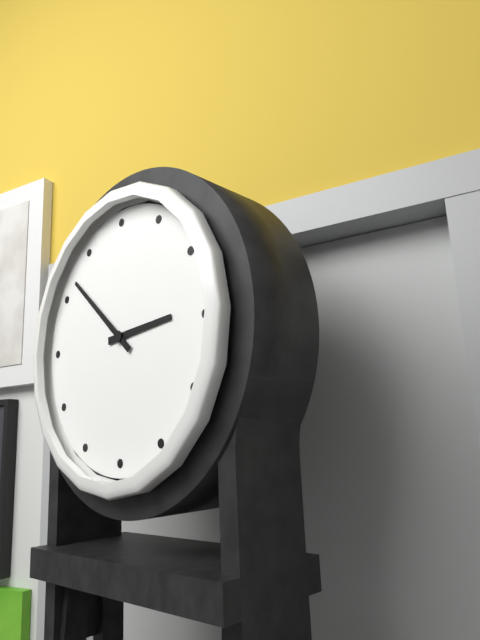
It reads **2:52**
